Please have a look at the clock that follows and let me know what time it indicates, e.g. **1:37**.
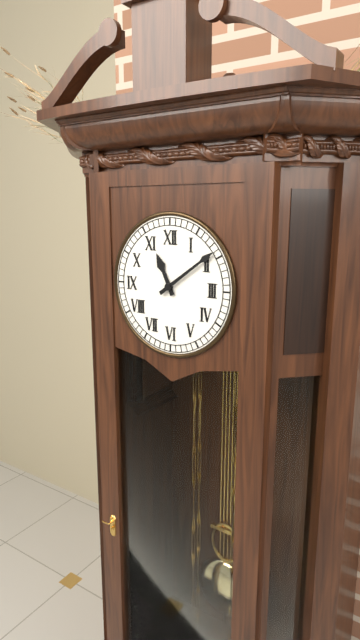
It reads **11:09**
